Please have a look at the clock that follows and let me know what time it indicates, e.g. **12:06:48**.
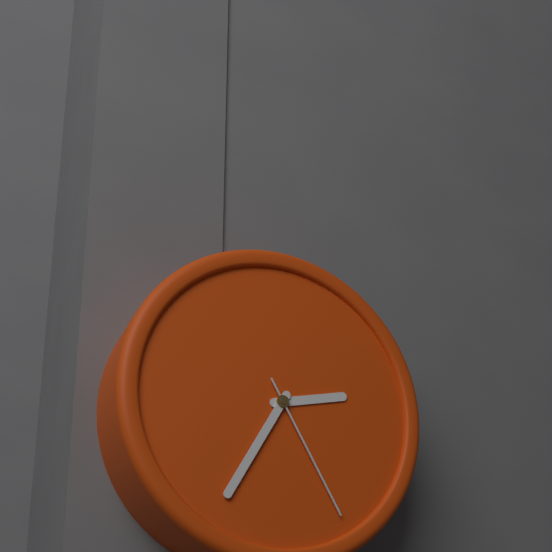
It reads **2:35:25**
